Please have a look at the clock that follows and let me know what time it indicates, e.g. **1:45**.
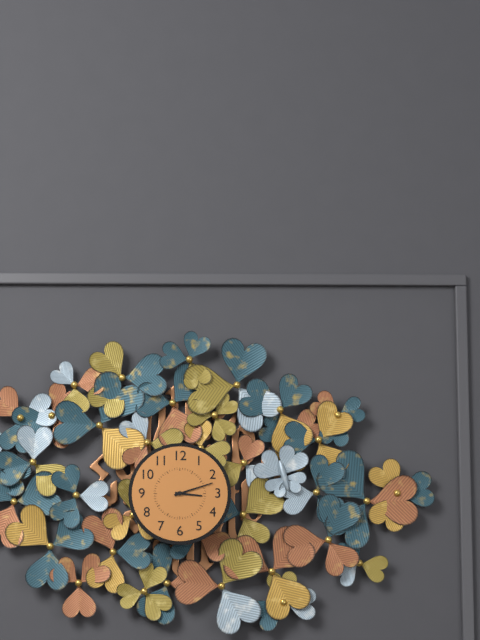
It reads **3:12**
